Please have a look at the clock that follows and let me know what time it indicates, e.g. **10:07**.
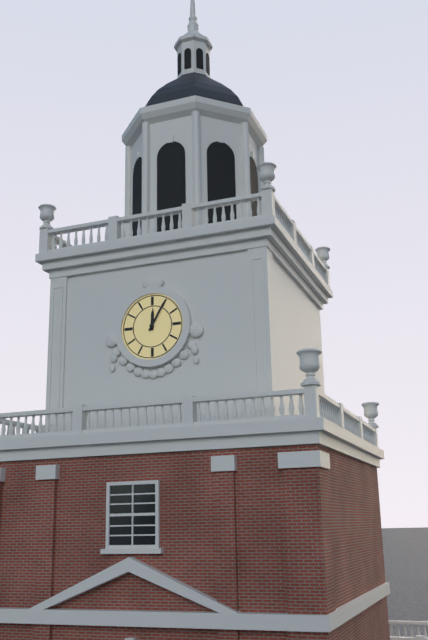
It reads **12:05**
